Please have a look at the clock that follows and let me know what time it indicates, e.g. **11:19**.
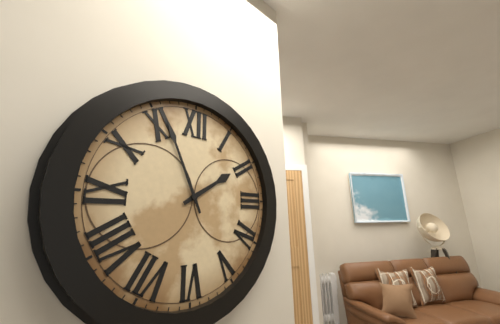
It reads **1:56**
